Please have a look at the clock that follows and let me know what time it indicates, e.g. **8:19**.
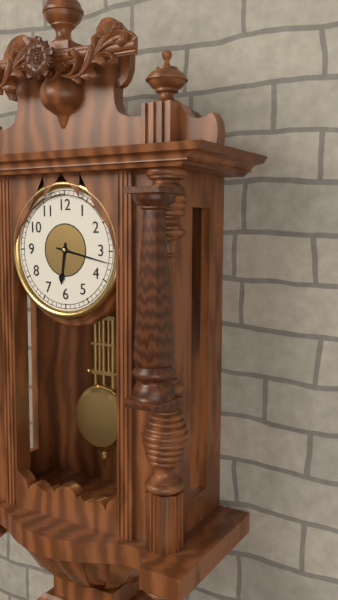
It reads **6:17**
